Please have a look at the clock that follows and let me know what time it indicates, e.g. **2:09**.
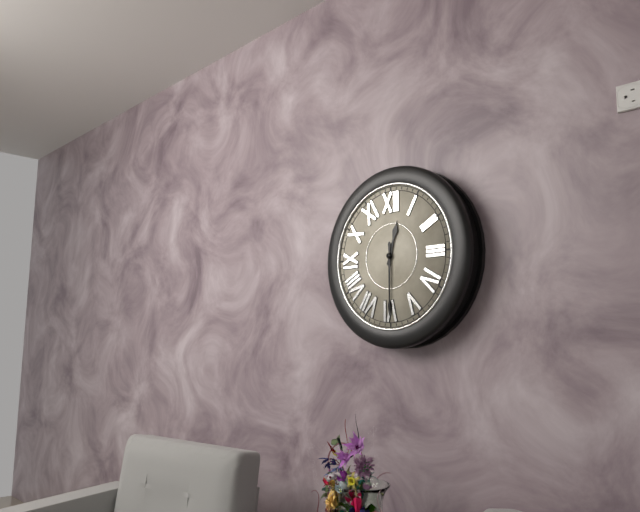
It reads **12:30**
